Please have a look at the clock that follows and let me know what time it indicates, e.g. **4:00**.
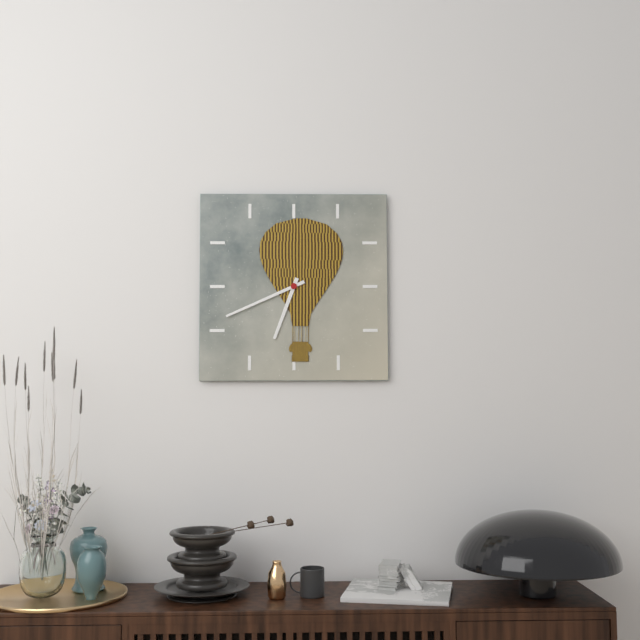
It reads **6:41**
